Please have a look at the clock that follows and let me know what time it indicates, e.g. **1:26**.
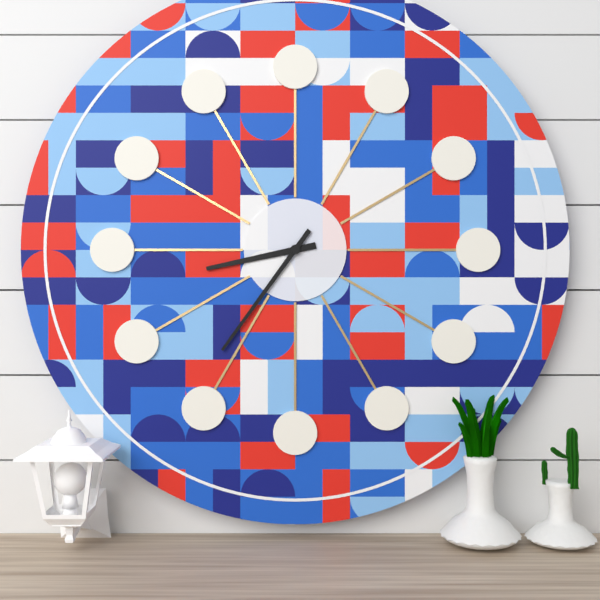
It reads **8:36**
